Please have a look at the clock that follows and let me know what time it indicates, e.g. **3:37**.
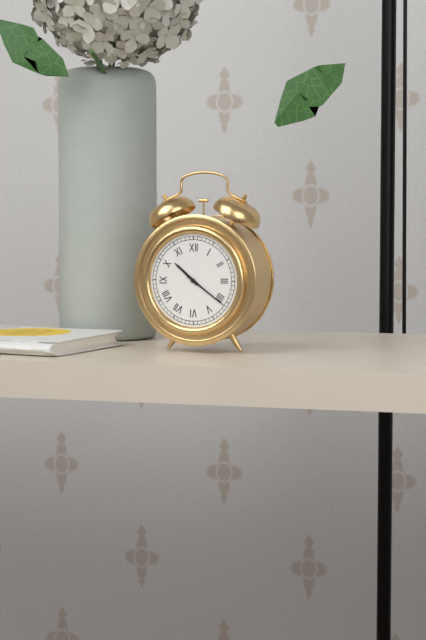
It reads **10:21**
